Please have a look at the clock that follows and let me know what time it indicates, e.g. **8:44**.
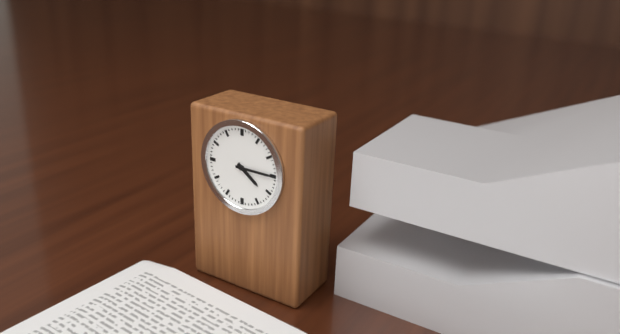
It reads **4:15**
